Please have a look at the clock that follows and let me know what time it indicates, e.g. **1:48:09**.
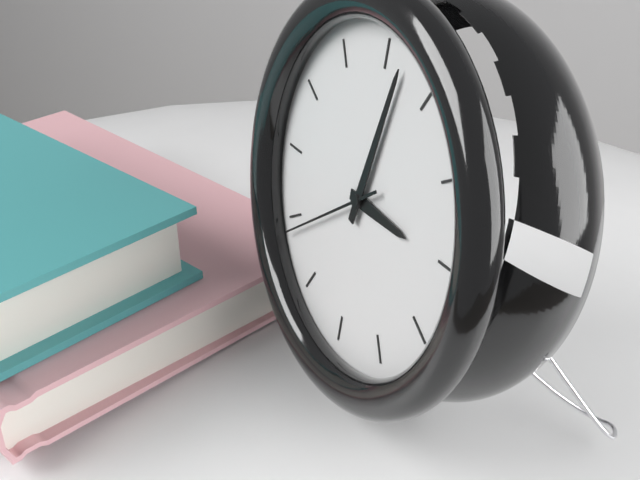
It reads **3:02:39**
